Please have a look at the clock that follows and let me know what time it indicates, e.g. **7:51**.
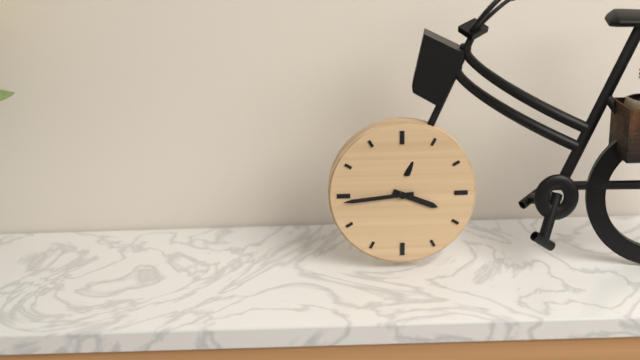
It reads **3:44**
